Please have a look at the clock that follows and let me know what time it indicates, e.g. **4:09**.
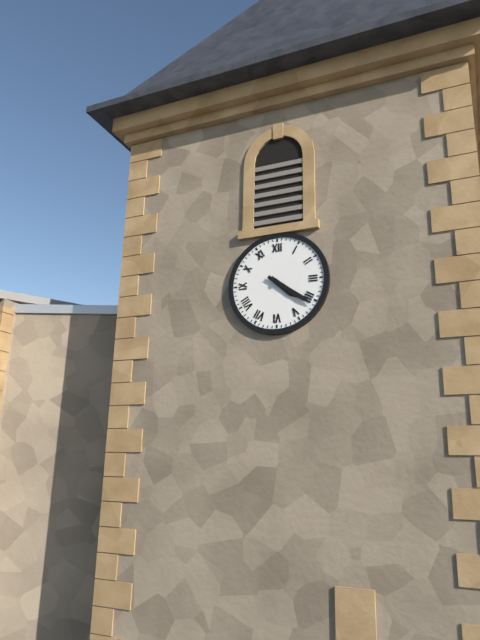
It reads **4:21**
